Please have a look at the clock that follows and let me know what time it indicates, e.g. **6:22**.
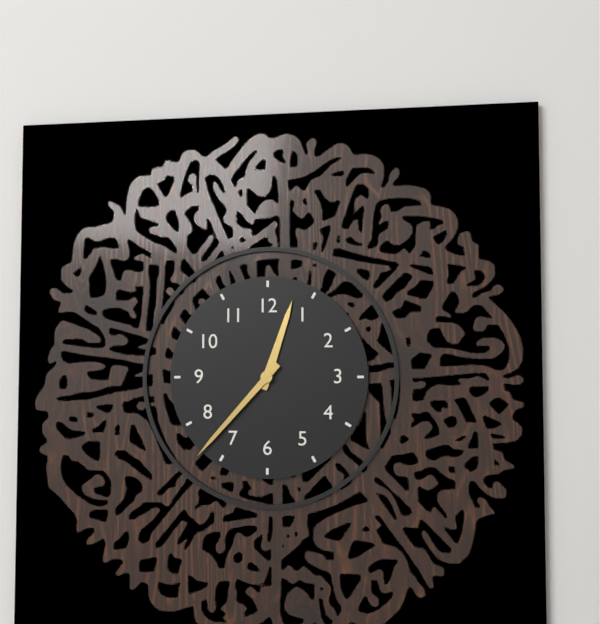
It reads **12:37**
